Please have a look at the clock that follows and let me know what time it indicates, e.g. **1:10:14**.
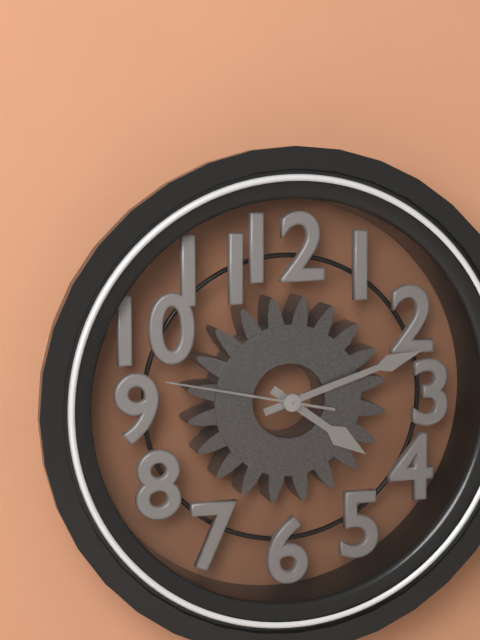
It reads **4:12:47**
